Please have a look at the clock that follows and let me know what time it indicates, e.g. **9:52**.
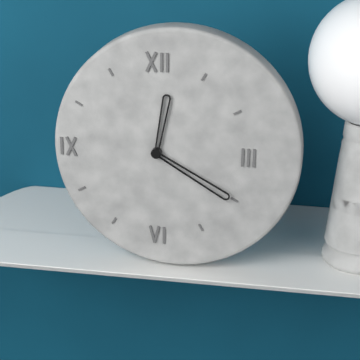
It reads **12:20**
